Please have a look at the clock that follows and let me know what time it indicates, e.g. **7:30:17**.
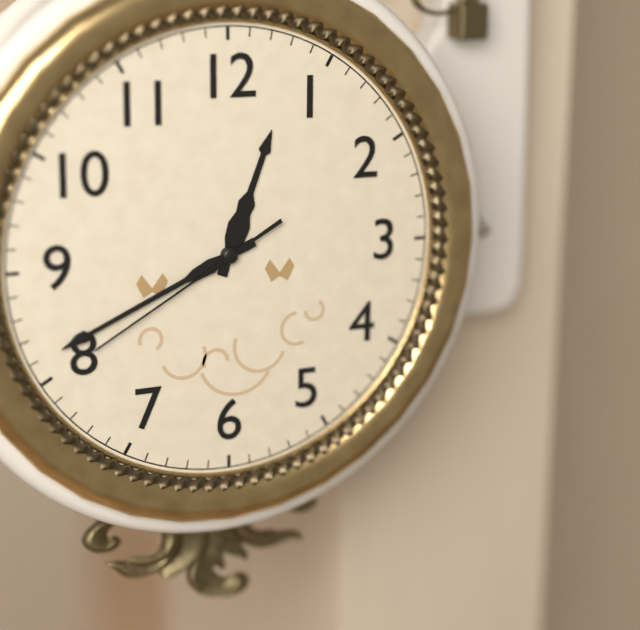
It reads **12:41:40**
